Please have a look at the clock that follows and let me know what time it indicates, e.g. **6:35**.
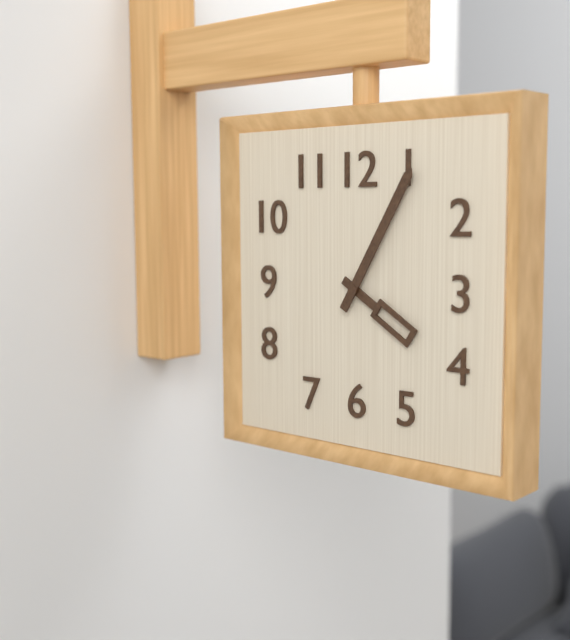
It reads **4:05**
